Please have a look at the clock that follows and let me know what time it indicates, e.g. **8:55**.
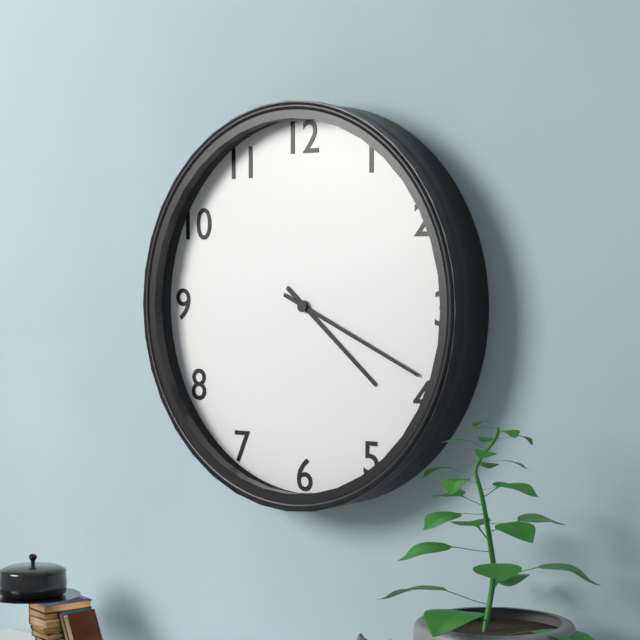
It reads **4:19**
